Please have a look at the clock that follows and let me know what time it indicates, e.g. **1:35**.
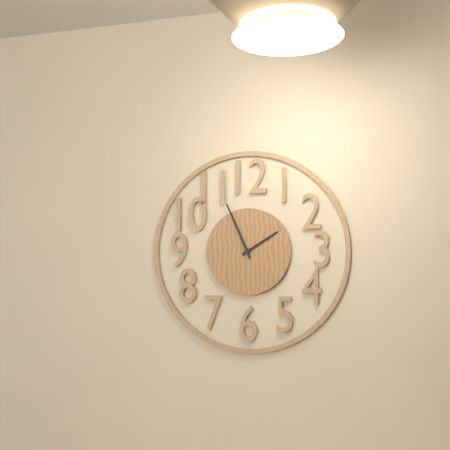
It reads **1:56**
